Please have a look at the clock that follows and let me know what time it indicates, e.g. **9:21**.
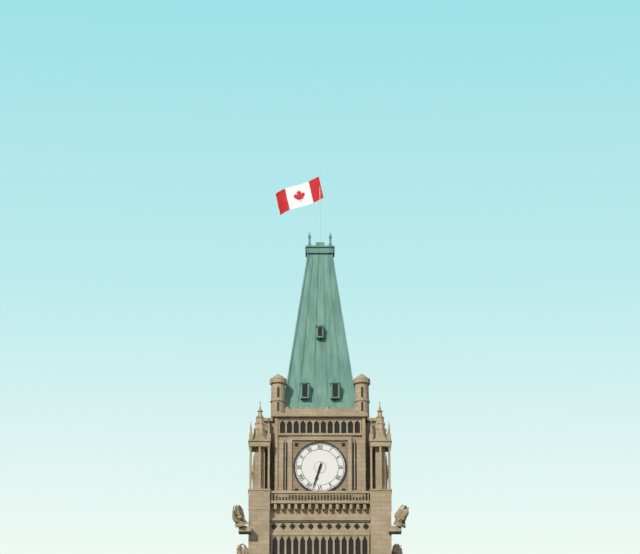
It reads **6:33**
